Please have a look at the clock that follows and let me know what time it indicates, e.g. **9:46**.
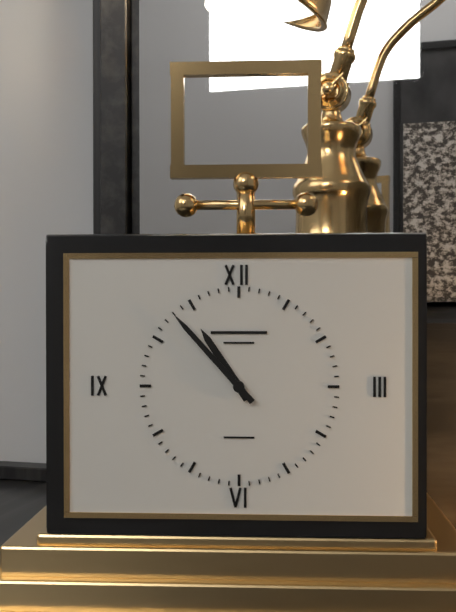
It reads **10:53**
